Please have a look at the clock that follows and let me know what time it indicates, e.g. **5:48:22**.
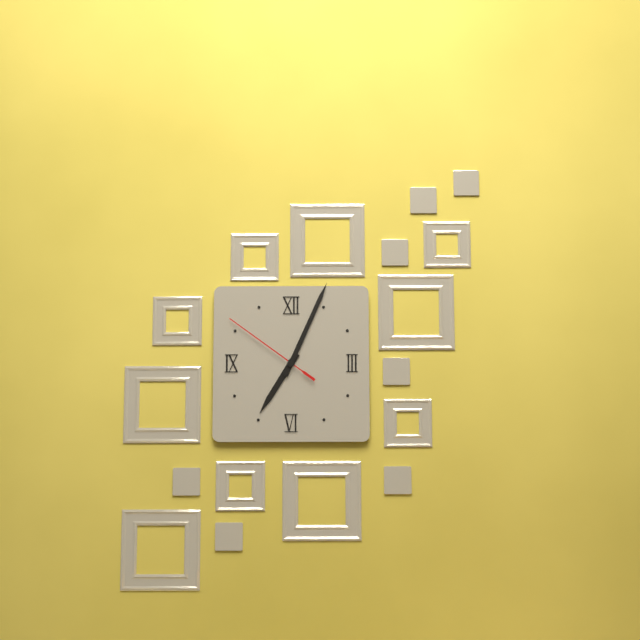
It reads **7:04:51**
